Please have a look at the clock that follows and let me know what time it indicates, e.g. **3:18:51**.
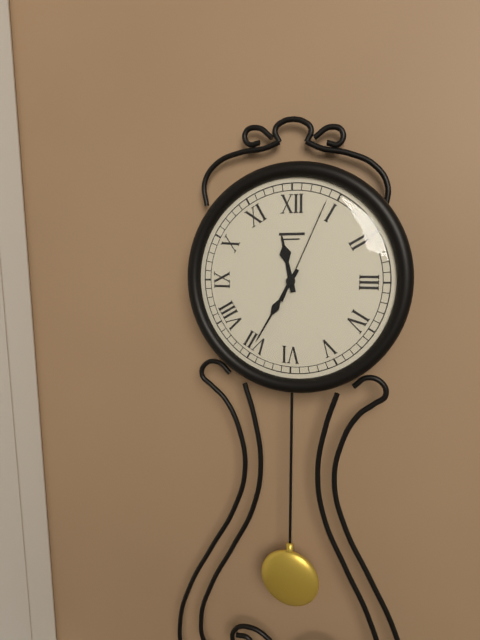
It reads **11:35:04**
